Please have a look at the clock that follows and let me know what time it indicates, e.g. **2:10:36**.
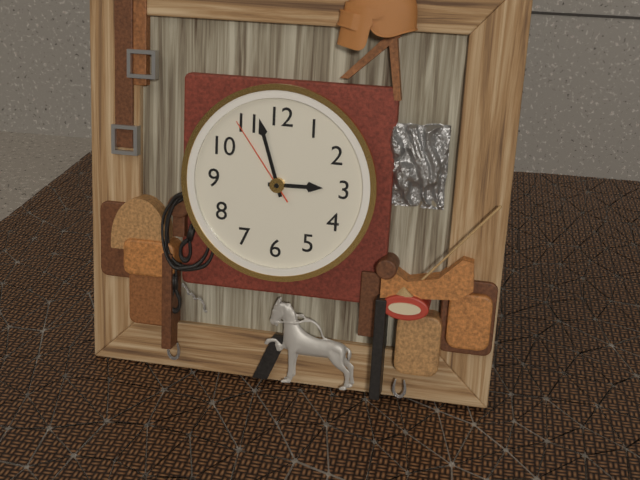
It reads **2:57:54**
